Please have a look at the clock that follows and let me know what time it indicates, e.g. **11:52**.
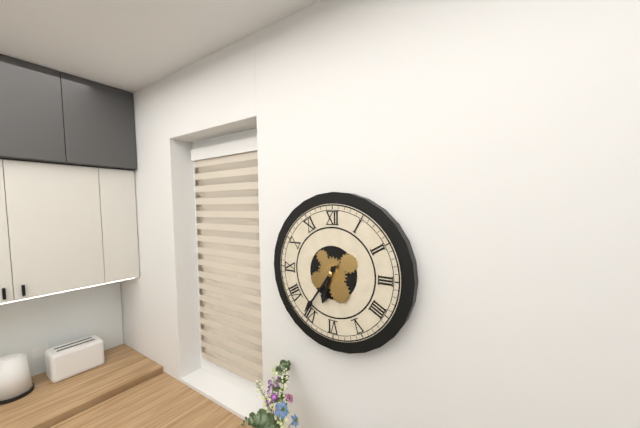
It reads **6:36**
